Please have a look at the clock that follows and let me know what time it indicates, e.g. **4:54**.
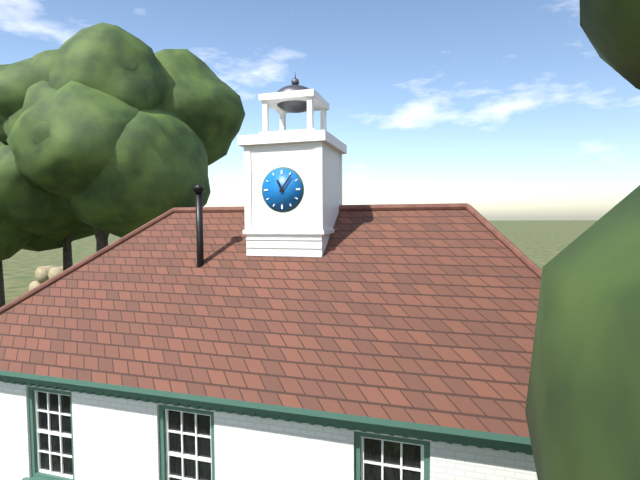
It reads **11:06**
